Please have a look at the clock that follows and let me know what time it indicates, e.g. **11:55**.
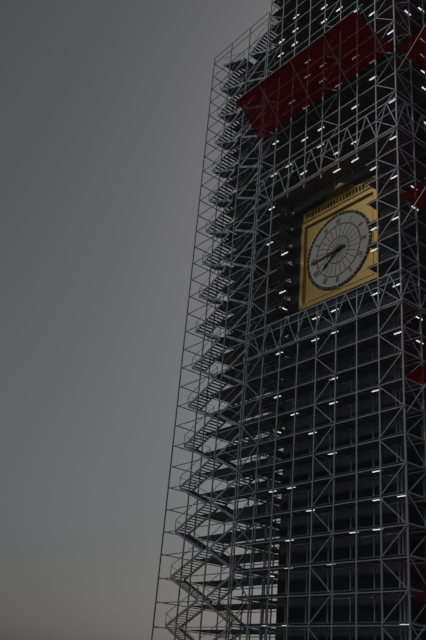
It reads **7:44**
